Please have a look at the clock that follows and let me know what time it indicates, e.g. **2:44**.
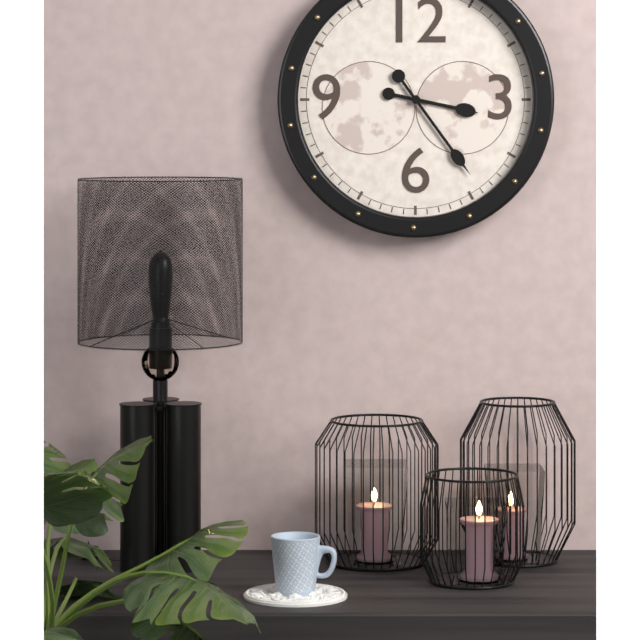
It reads **3:24**
